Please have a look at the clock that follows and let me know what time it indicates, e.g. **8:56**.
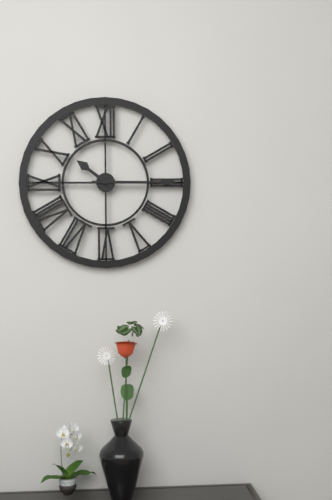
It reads **10:15**
